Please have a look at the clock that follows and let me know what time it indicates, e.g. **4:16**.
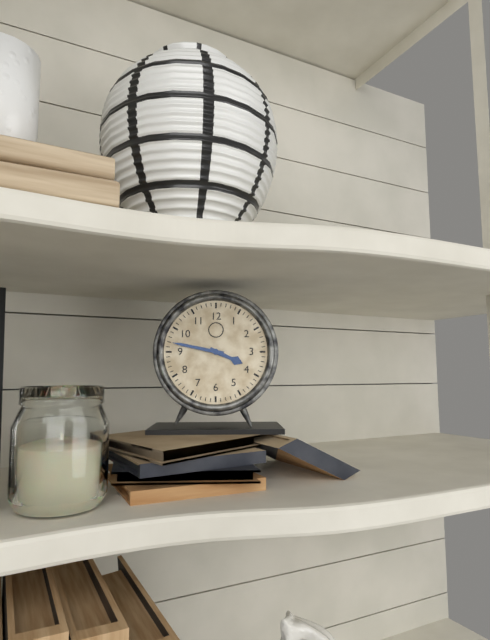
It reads **3:47**
